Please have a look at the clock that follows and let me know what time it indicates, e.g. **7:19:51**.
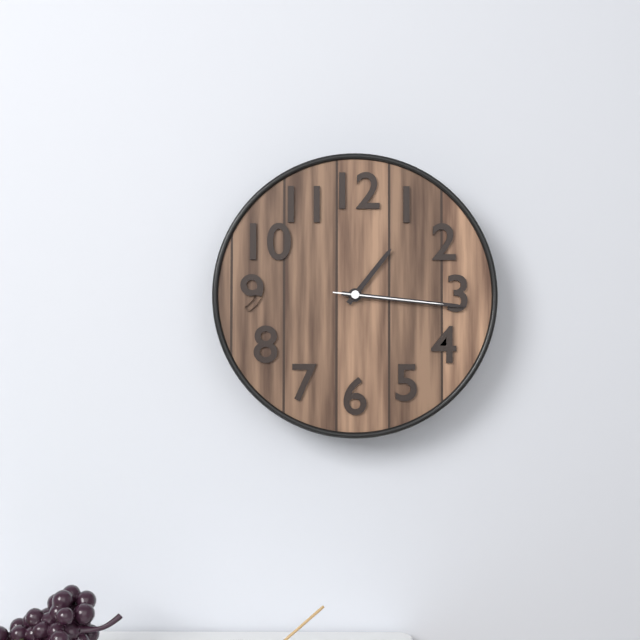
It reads **1:16:16**
